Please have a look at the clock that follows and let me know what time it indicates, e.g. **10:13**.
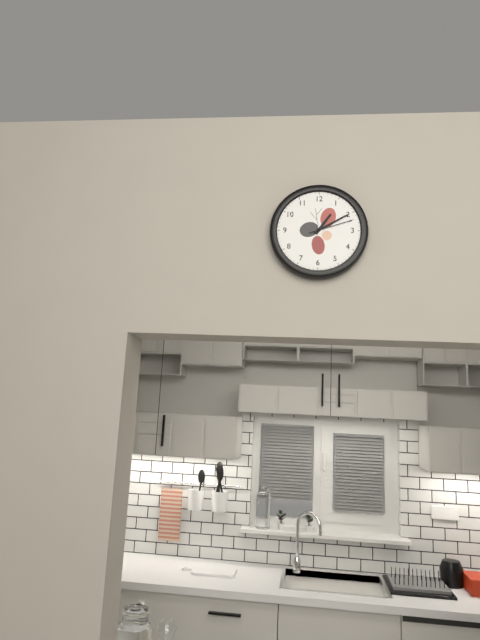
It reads **1:10**
